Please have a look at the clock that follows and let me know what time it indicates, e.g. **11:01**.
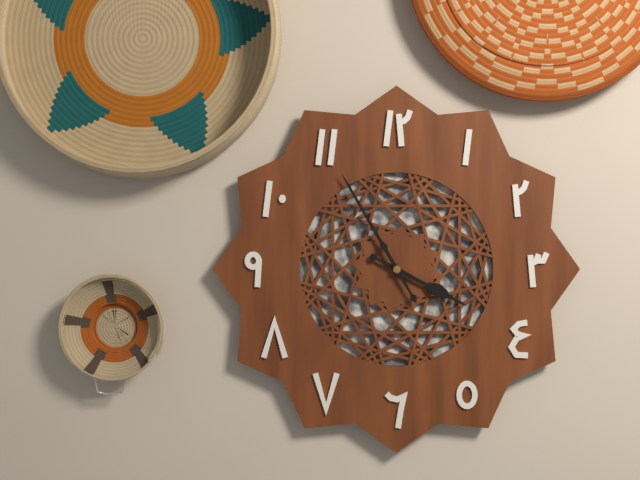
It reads **3:55**
